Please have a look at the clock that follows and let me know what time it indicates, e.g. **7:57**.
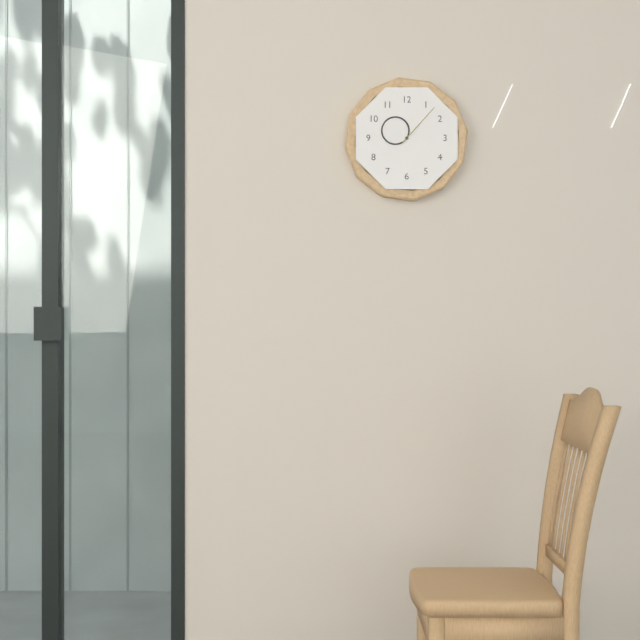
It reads **10:07**
